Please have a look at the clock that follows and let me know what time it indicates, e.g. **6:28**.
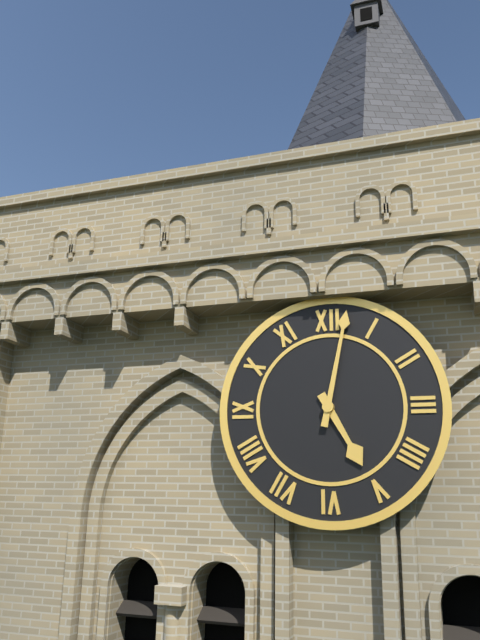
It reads **5:02**
